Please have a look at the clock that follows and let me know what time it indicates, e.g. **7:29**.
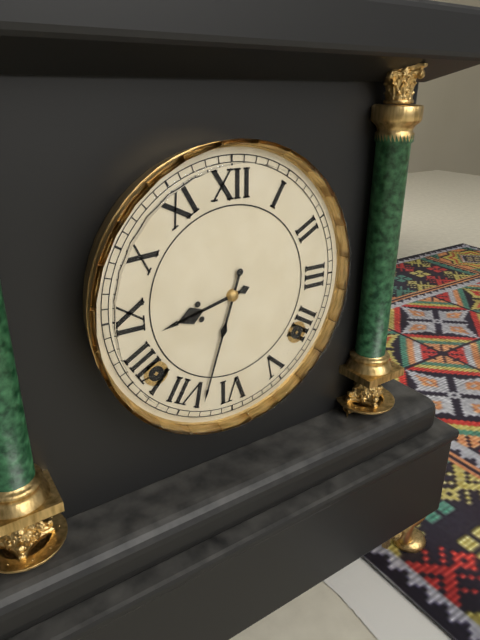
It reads **8:33**
